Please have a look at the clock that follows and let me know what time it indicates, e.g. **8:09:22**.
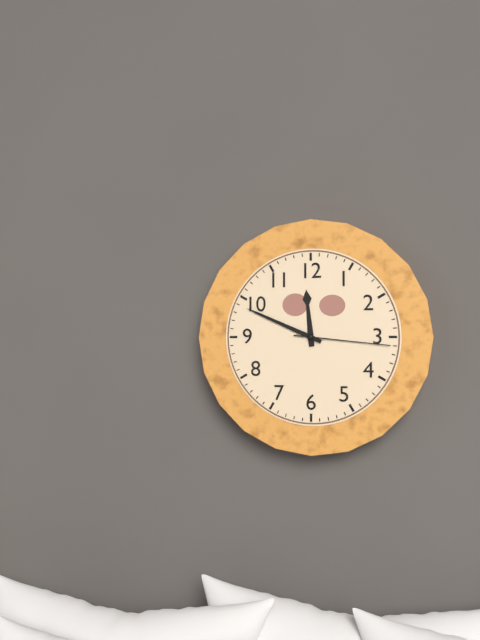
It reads **11:49:16**
